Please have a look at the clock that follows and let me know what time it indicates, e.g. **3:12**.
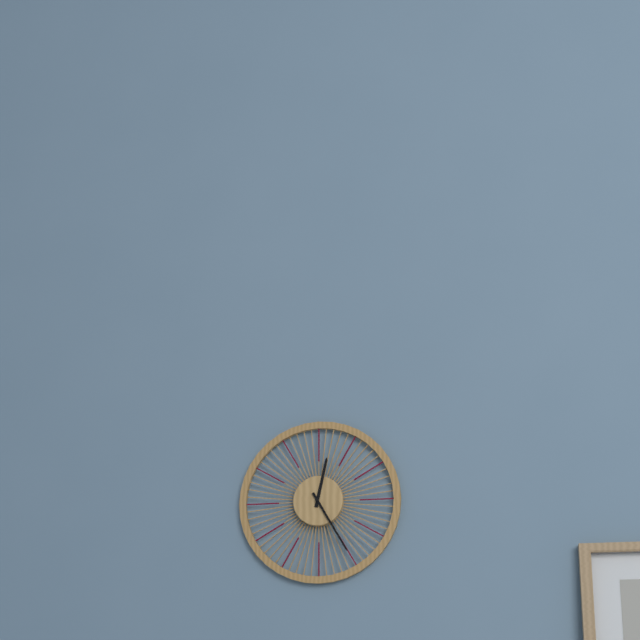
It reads **12:25**
